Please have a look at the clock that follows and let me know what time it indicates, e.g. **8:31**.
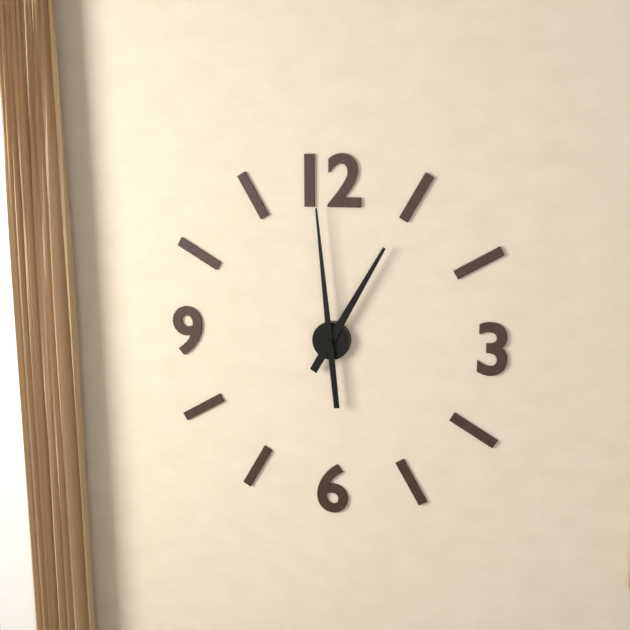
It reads **12:59**
